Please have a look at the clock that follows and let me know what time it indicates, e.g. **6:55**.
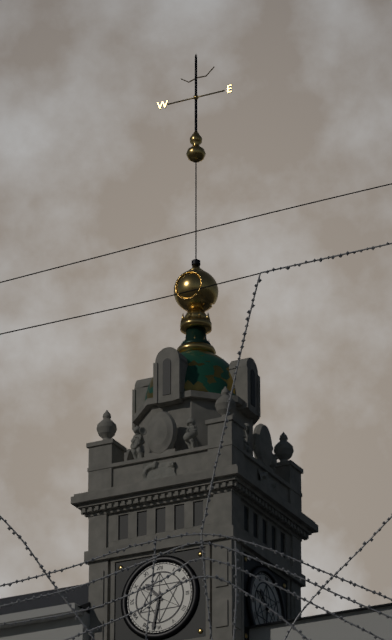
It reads **10:32**
